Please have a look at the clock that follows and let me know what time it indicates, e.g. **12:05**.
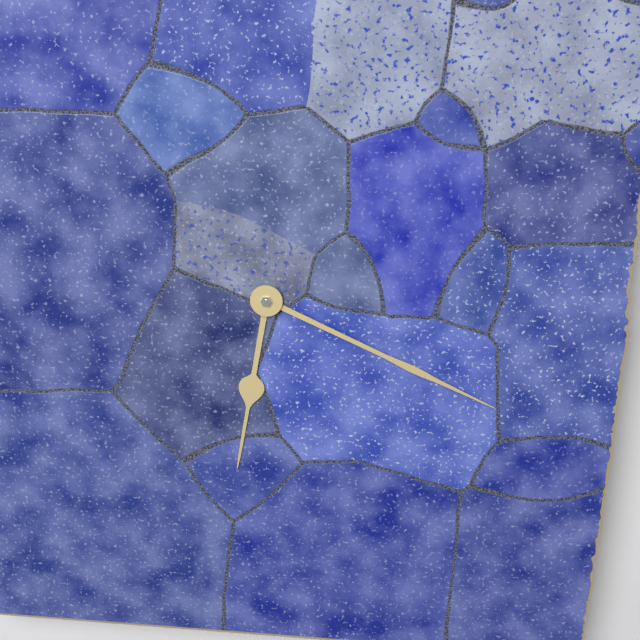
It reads **6:19**
